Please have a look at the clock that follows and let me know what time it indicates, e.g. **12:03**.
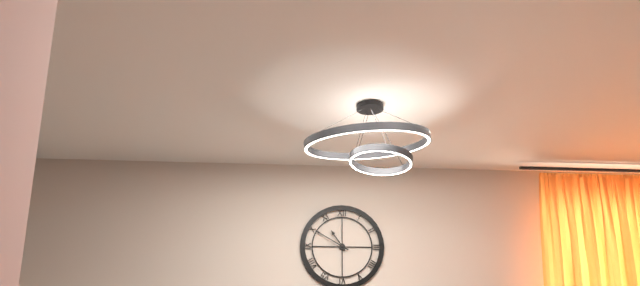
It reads **10:50**
